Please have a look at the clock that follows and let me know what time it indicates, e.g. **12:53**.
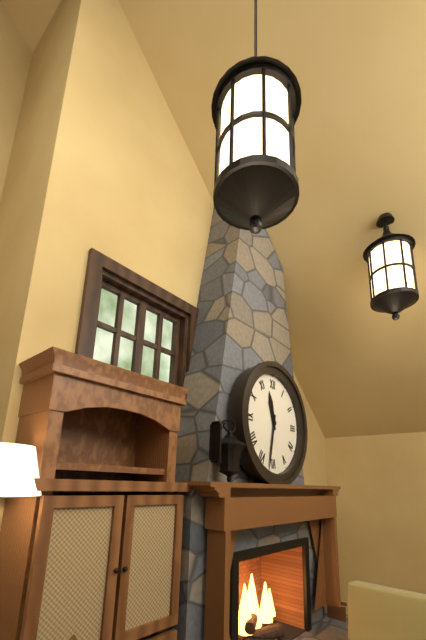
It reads **11:32**
